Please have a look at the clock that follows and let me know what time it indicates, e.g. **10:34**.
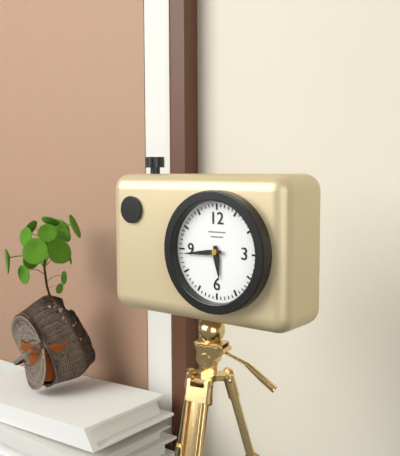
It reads **5:44**
